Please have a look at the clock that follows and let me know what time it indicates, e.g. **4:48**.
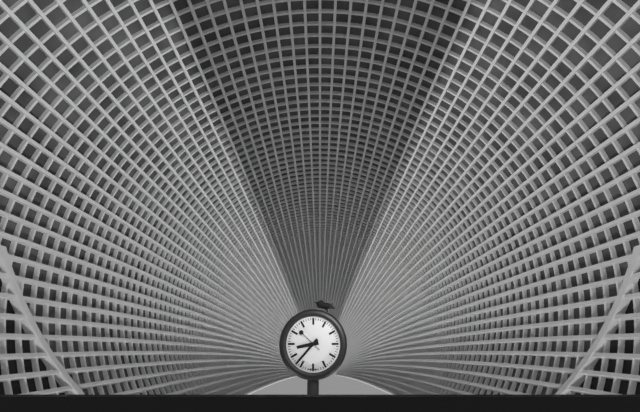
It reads **8:37**
